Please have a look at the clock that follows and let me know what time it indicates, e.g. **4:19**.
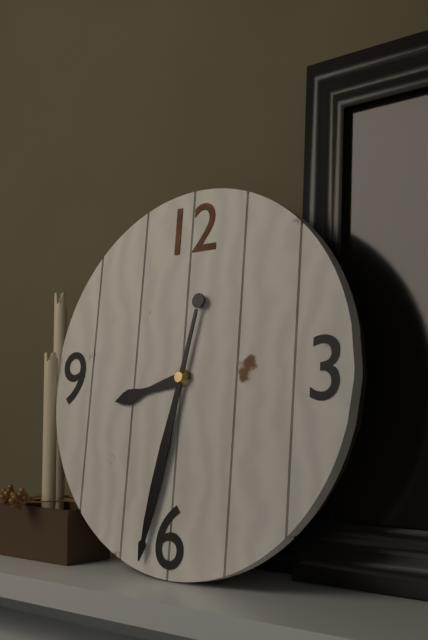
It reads **8:32**
